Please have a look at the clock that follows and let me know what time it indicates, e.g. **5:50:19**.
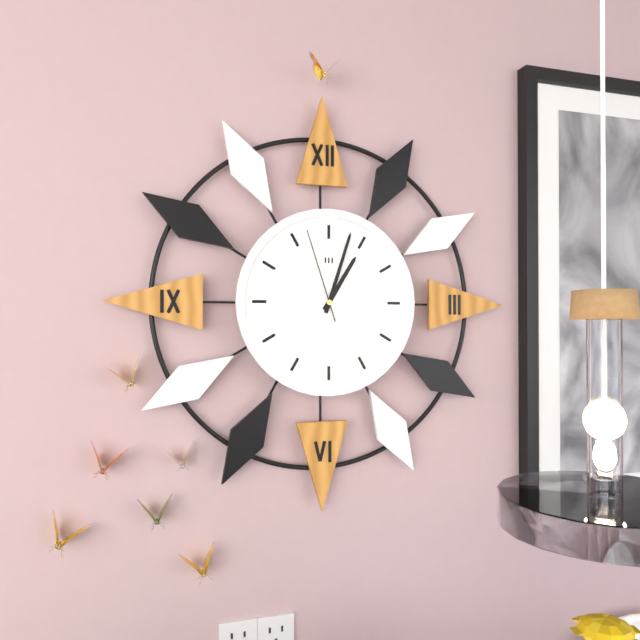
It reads **1:03:57**
